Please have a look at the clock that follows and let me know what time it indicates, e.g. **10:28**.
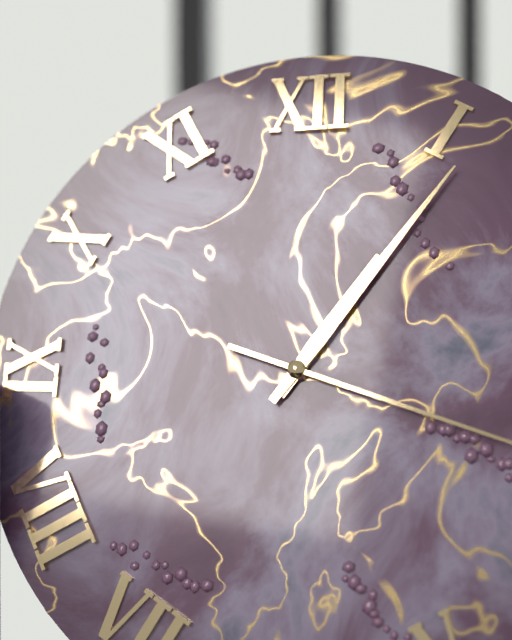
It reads **1:06**
